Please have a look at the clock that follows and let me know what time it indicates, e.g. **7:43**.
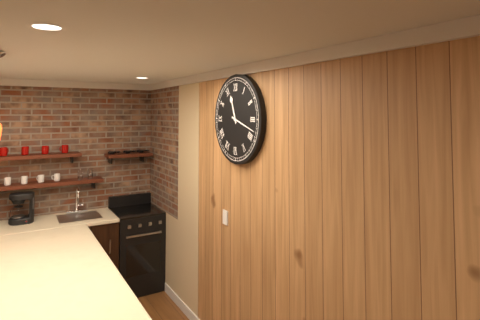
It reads **11:18**
